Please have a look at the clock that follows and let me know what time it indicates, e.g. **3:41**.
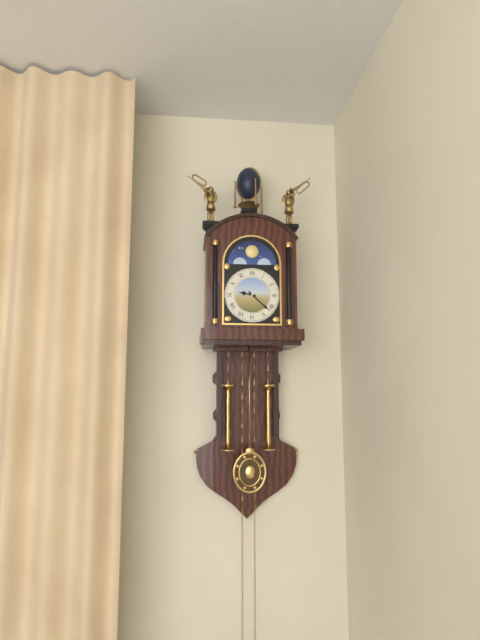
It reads **9:22**
